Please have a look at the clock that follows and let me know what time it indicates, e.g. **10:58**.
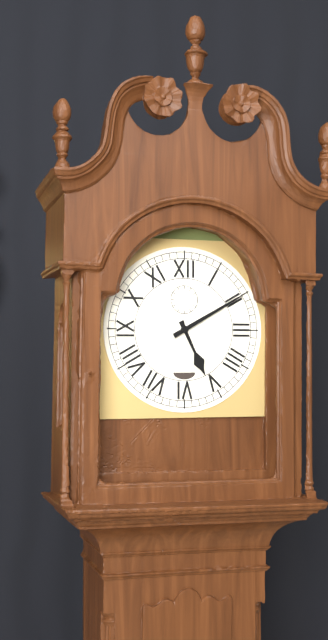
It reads **5:10**
